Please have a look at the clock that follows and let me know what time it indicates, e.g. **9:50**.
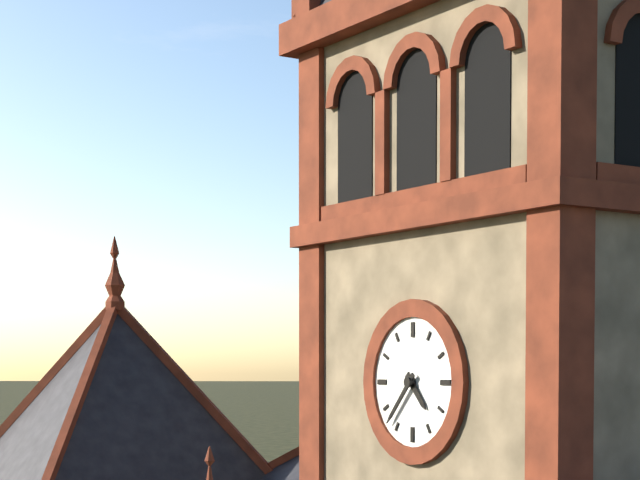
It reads **4:37**
